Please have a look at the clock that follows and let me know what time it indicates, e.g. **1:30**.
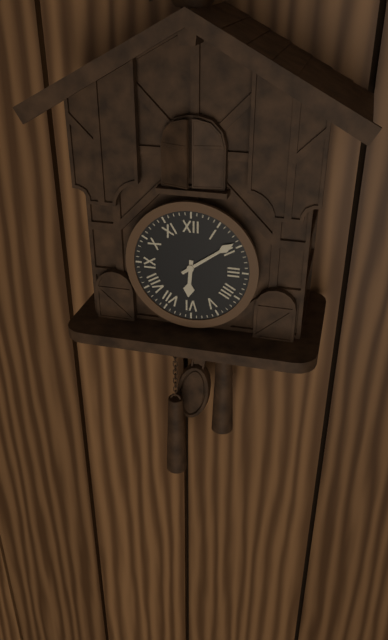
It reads **6:09**
